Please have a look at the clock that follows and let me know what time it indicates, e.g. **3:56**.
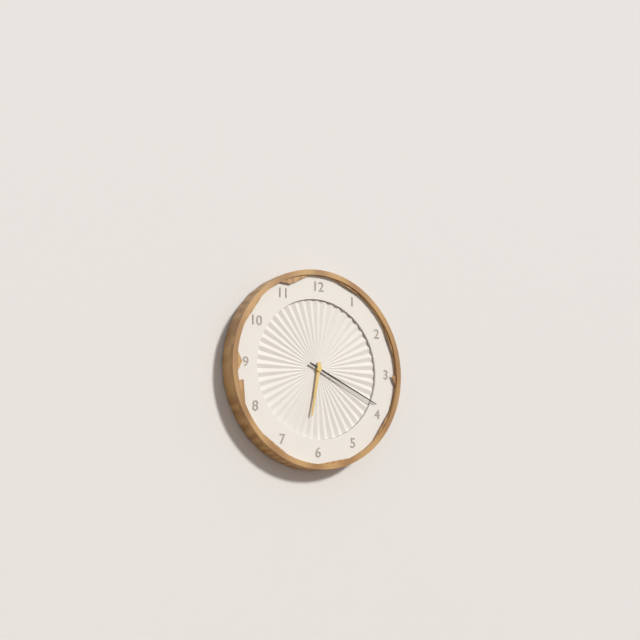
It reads **6:19**
